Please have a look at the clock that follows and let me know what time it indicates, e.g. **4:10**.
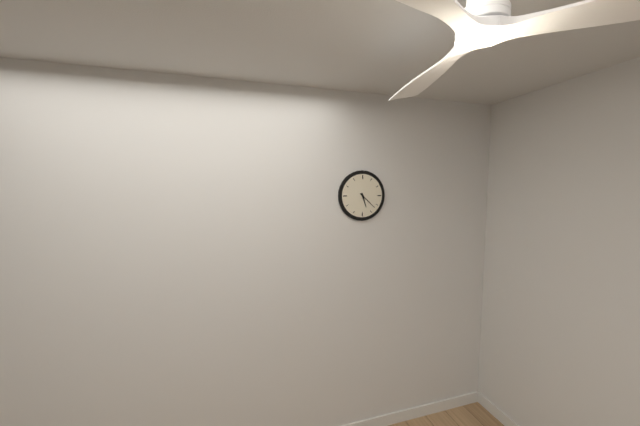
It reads **5:22**
